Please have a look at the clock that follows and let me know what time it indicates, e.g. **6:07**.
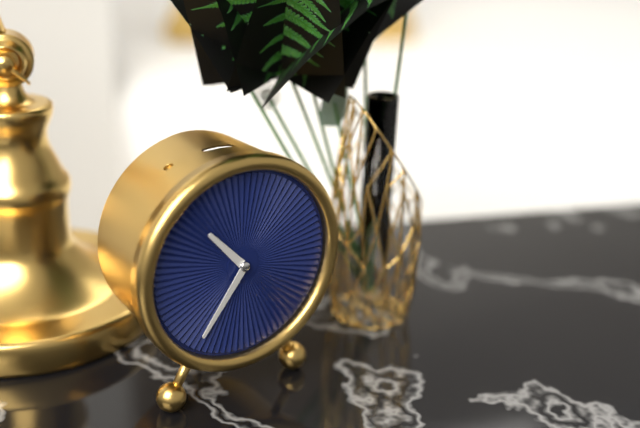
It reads **10:36**
